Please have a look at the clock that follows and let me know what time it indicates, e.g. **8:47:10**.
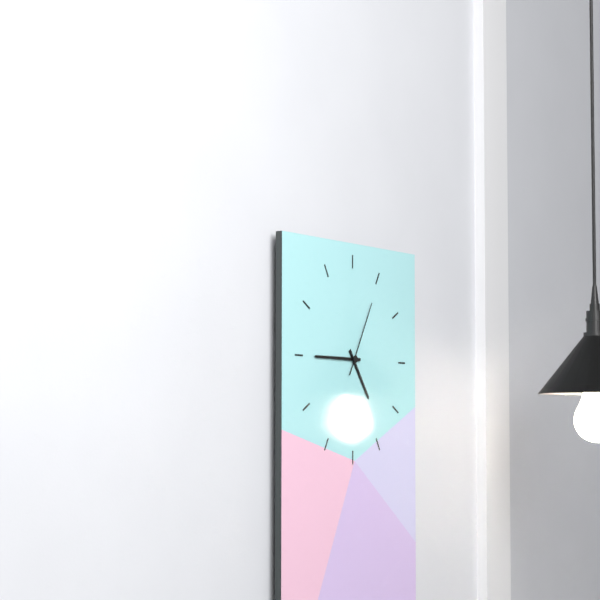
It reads **4:45:05**
